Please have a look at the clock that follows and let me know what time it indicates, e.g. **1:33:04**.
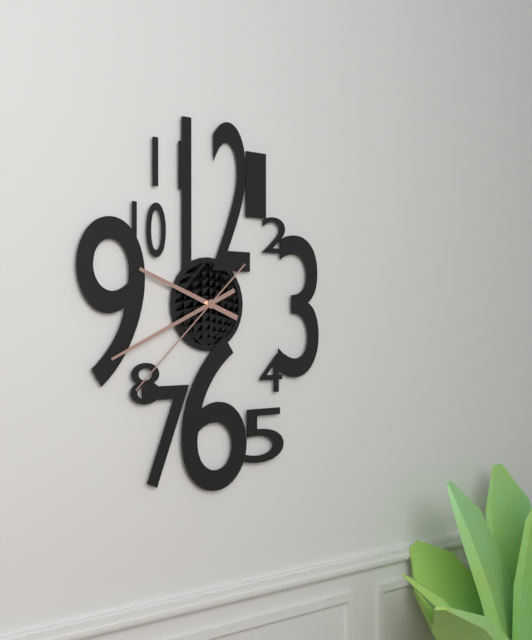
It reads **9:41:38**
